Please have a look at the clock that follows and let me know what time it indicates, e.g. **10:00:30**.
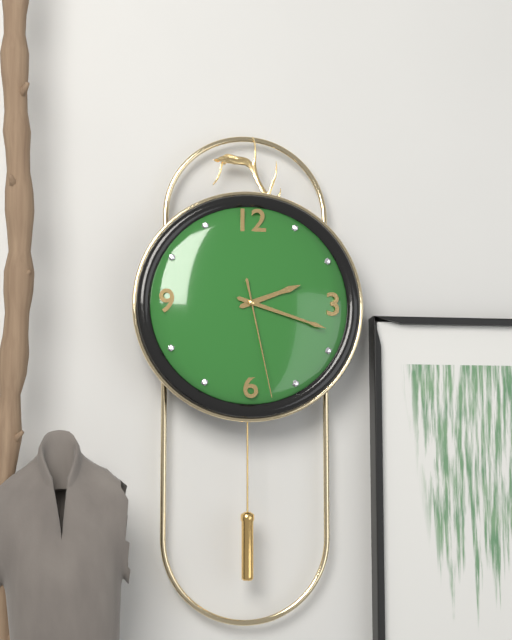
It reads **2:18:28**
